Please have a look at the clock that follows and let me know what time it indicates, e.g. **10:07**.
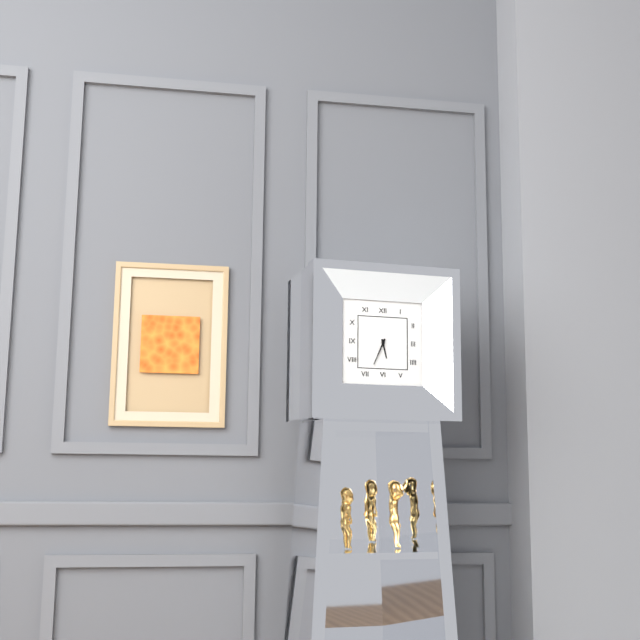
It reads **5:34**
